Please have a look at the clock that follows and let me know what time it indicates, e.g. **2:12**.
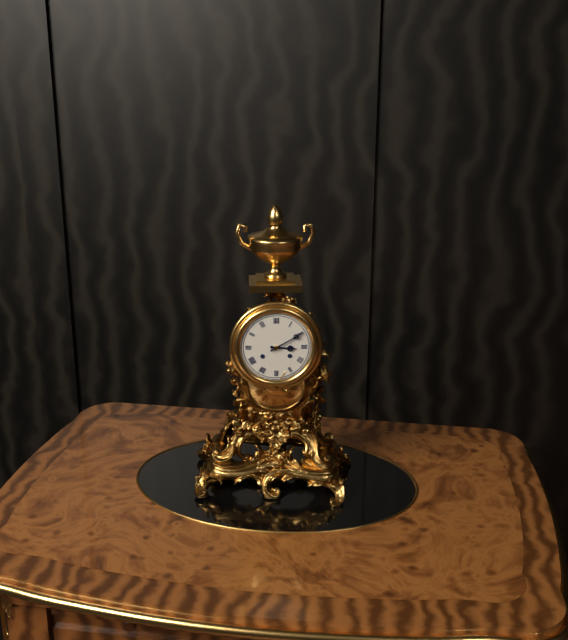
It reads **3:10**
